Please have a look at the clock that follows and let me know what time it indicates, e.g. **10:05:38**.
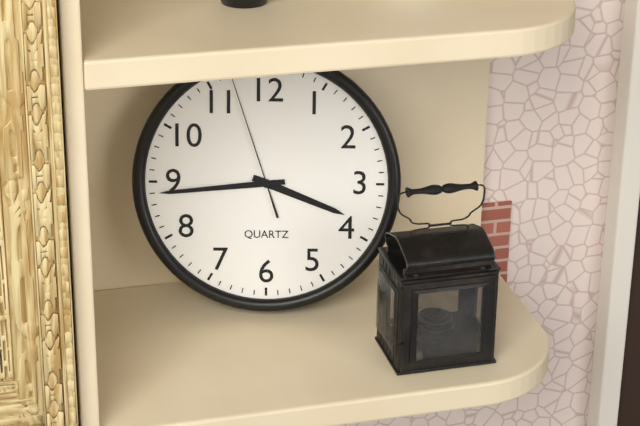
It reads **3:44:57**
